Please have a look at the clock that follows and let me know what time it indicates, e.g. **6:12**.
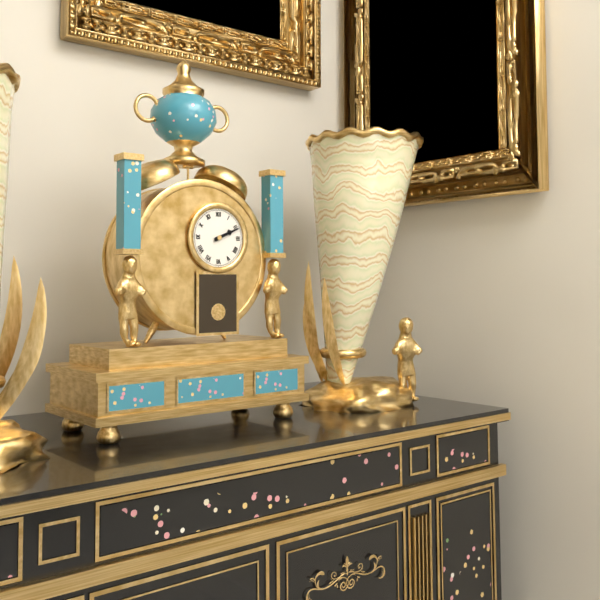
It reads **2:11**
